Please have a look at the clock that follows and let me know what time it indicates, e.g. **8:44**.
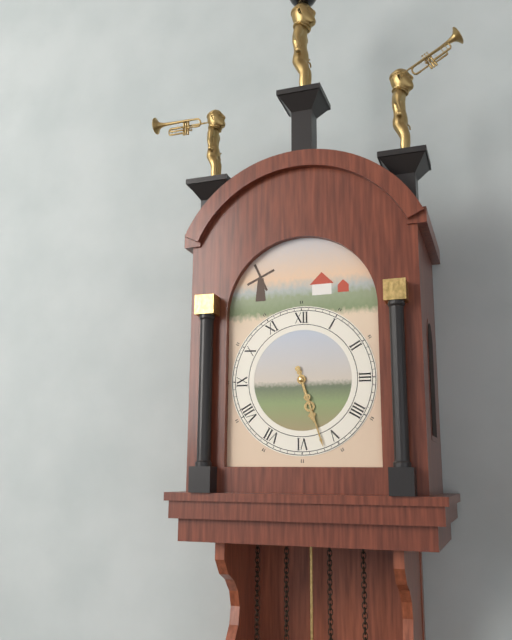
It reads **5:27**
